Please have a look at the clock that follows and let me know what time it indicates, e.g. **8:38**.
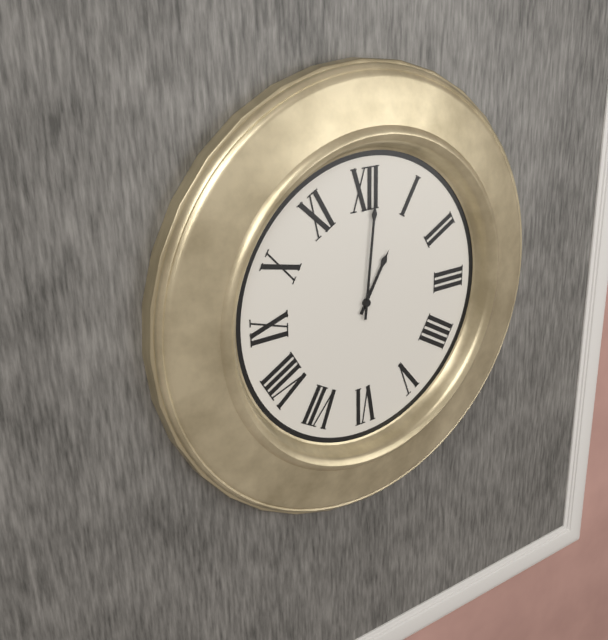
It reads **1:01**
